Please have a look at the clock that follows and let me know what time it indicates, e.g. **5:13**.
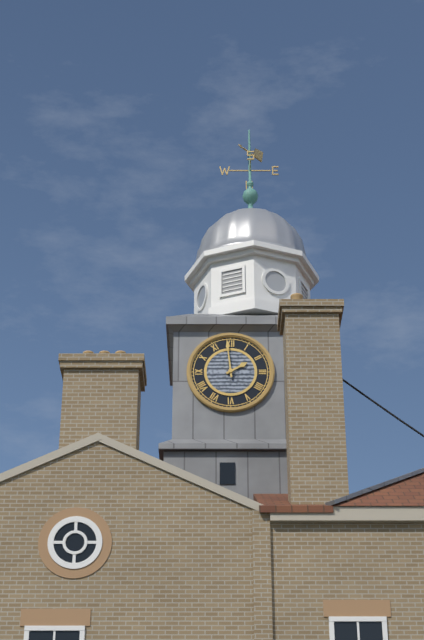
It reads **1:59**
